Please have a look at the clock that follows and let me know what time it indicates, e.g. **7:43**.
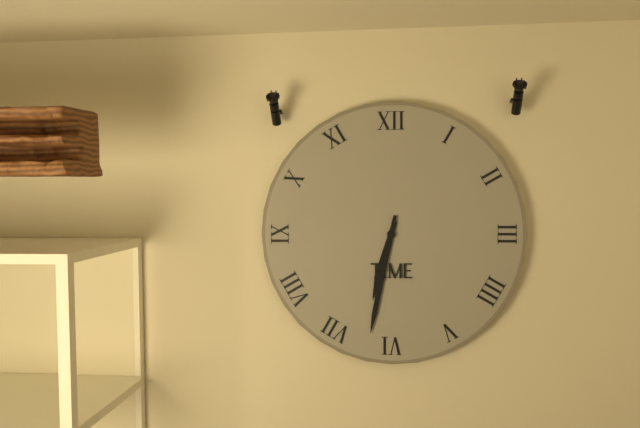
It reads **6:32**
